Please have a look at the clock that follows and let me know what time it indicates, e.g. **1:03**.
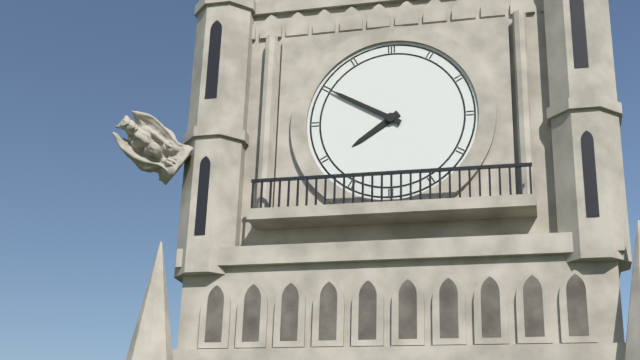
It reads **7:50**
